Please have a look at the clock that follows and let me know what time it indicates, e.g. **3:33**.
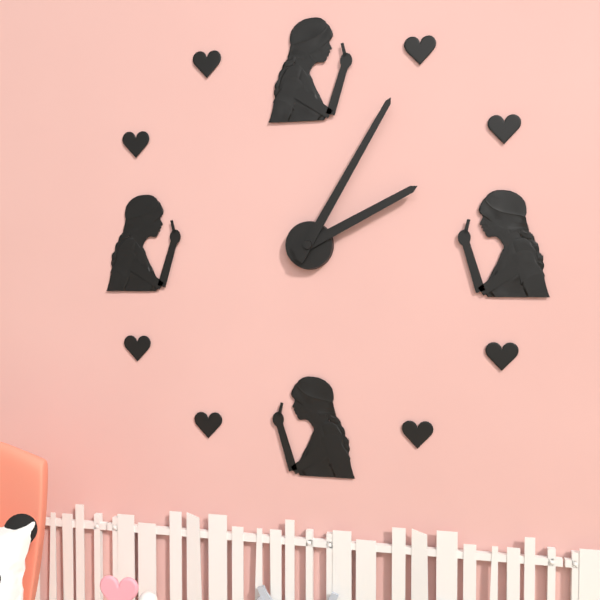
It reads **2:05**
